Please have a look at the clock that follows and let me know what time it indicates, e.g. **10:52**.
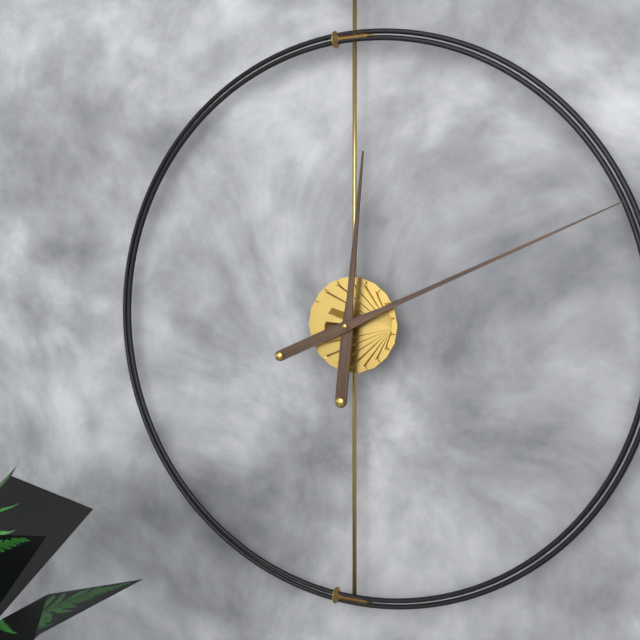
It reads **12:11**
